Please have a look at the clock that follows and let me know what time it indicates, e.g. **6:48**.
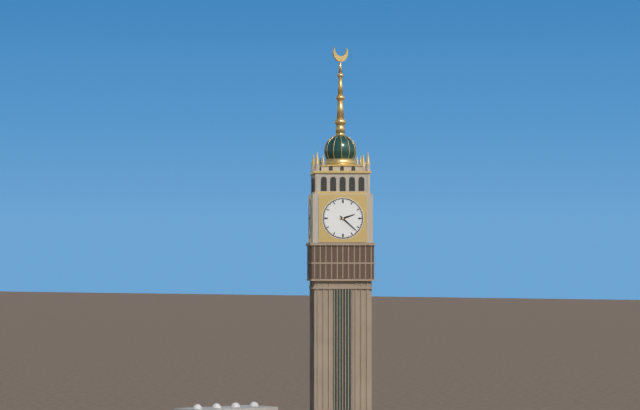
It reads **2:22**
